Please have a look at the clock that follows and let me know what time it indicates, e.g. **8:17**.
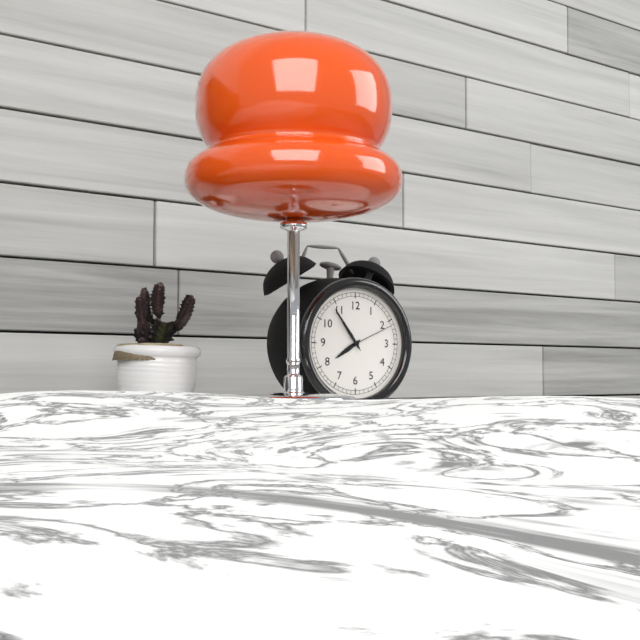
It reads **7:54**
